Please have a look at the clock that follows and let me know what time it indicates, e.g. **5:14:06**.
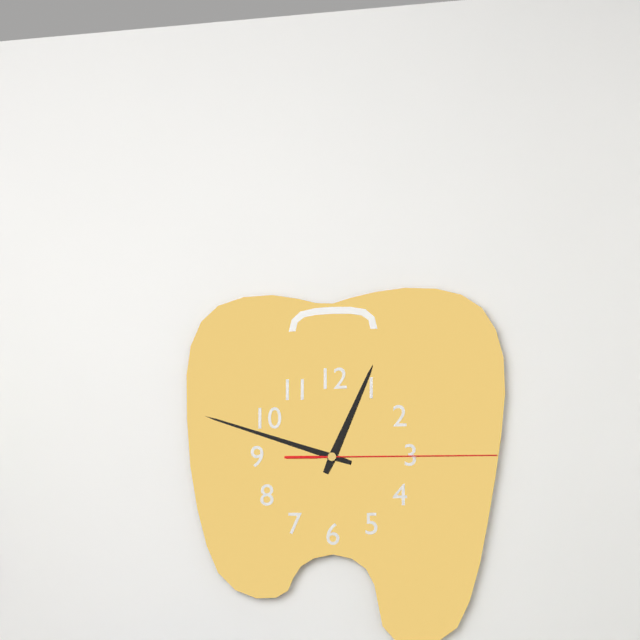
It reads **12:48:15**
